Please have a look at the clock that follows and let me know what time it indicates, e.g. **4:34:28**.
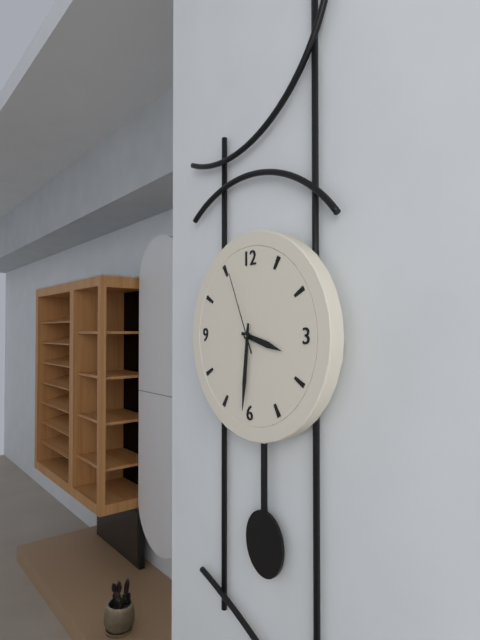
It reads **3:31:56**
